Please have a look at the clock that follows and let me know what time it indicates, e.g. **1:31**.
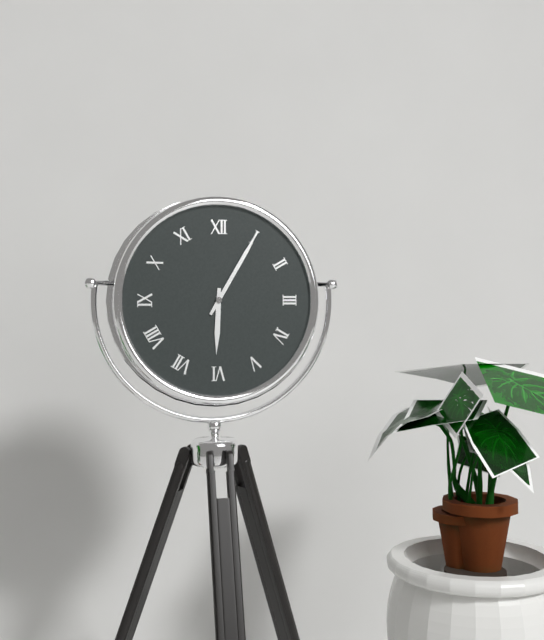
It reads **6:05**
